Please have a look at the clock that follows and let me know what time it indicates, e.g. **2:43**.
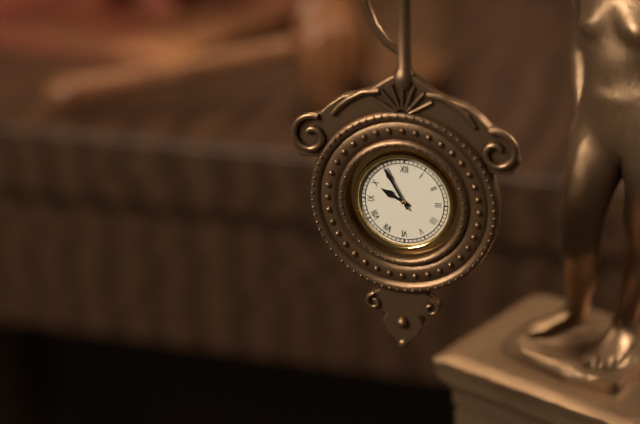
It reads **9:55**
